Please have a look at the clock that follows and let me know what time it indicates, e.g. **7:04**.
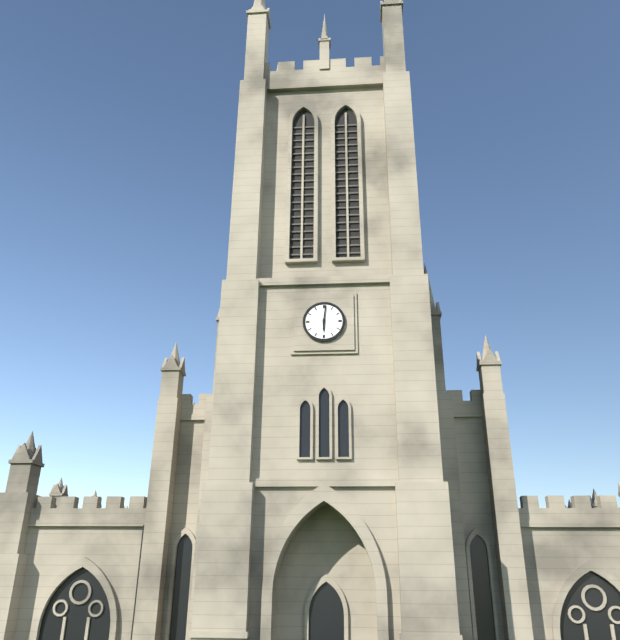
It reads **6:01**
